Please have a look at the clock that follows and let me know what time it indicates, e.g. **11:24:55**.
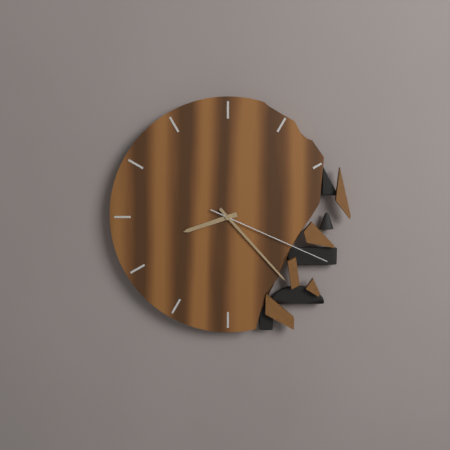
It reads **8:23:19**
